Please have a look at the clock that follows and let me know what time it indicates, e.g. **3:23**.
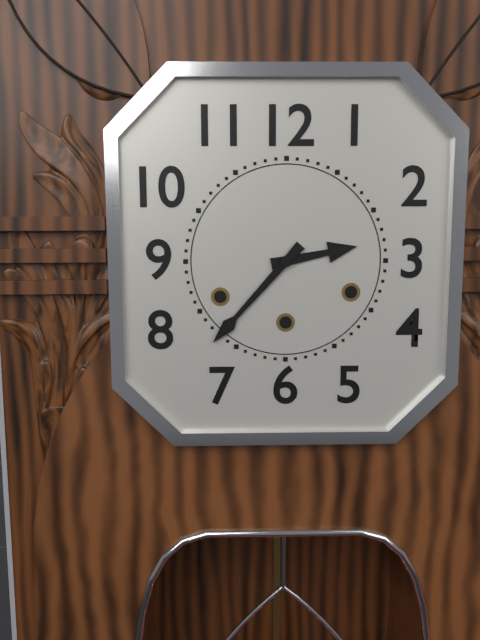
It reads **2:37**
